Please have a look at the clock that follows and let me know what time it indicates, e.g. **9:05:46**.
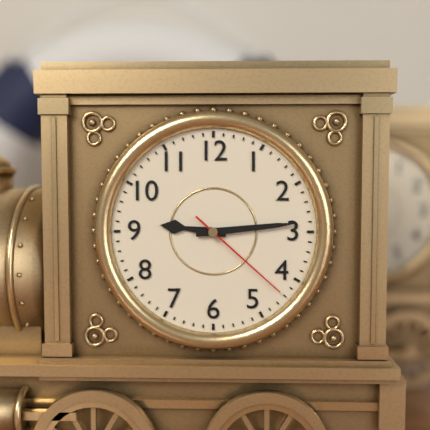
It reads **9:14:22**
